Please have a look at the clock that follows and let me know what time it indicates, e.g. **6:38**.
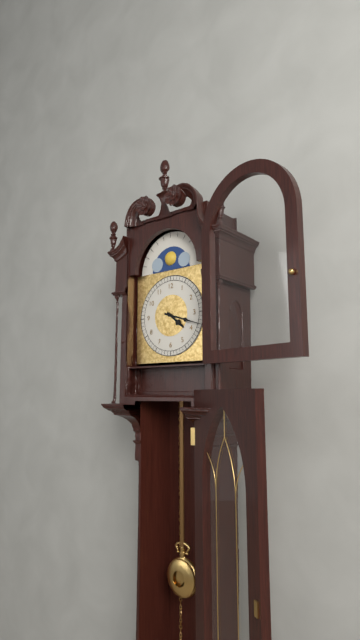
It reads **4:18**
